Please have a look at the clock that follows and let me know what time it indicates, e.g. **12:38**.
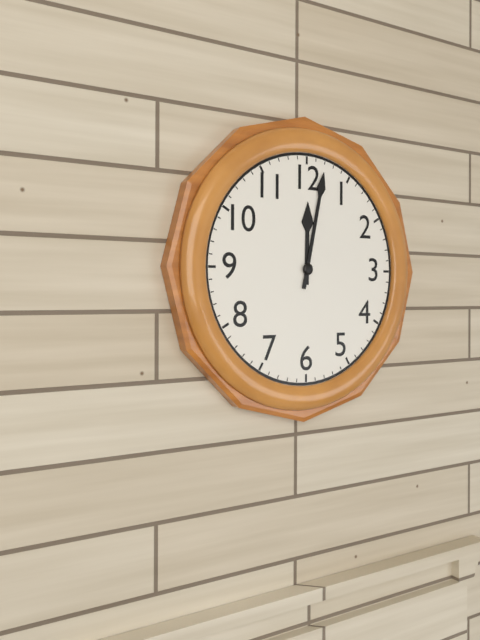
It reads **12:02**
